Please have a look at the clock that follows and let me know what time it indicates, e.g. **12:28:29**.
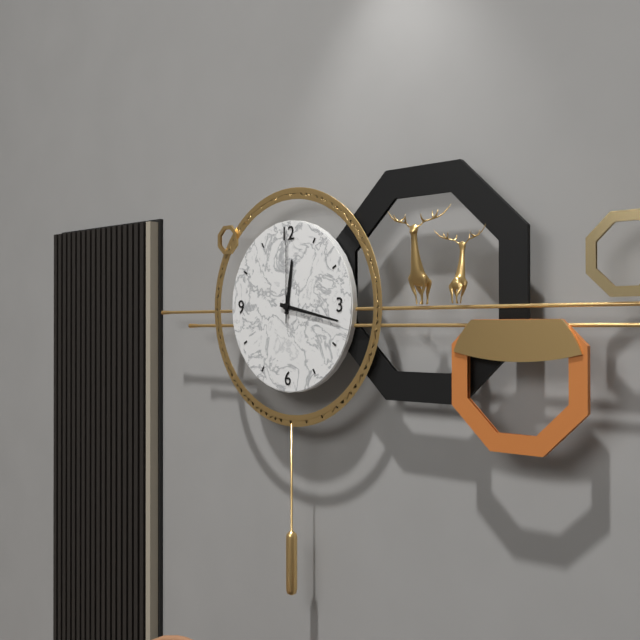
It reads **12:17:00**
